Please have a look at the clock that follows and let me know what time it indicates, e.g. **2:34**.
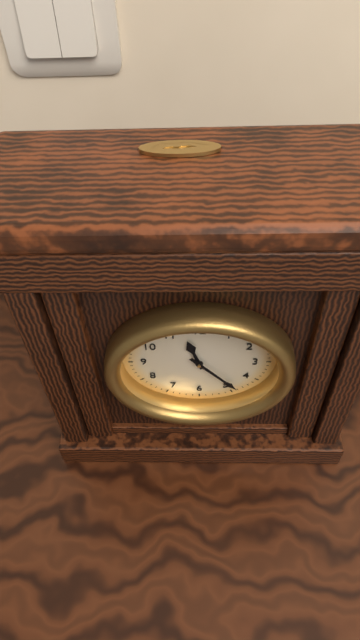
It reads **11:23**
